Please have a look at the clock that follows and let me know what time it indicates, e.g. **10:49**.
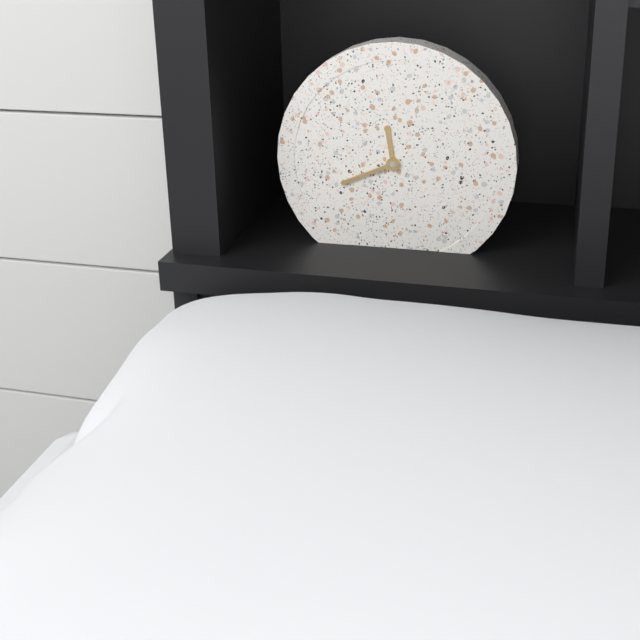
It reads **11:41**
